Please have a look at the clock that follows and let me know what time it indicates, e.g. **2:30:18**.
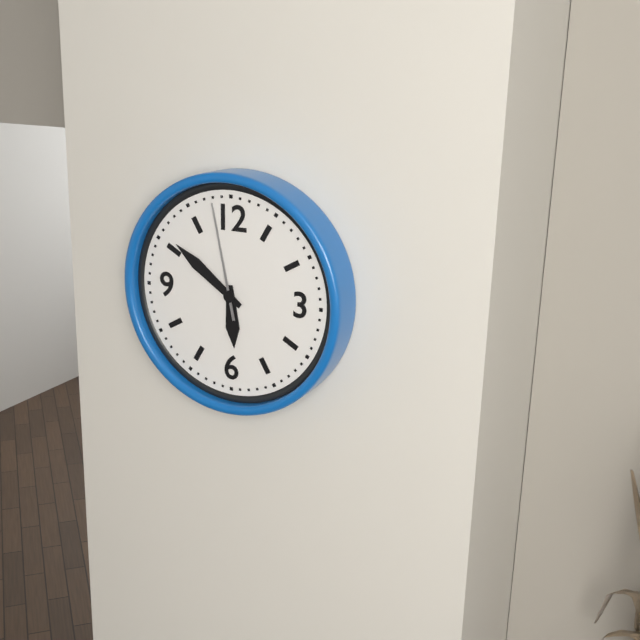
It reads **5:51:58**
